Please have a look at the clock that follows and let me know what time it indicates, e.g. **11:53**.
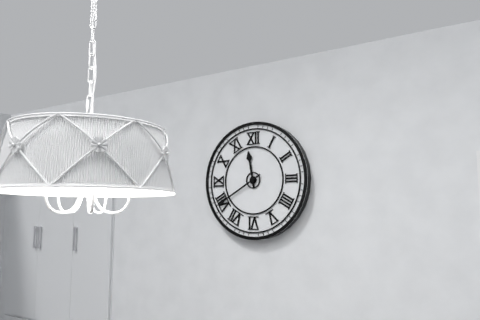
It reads **11:40**
